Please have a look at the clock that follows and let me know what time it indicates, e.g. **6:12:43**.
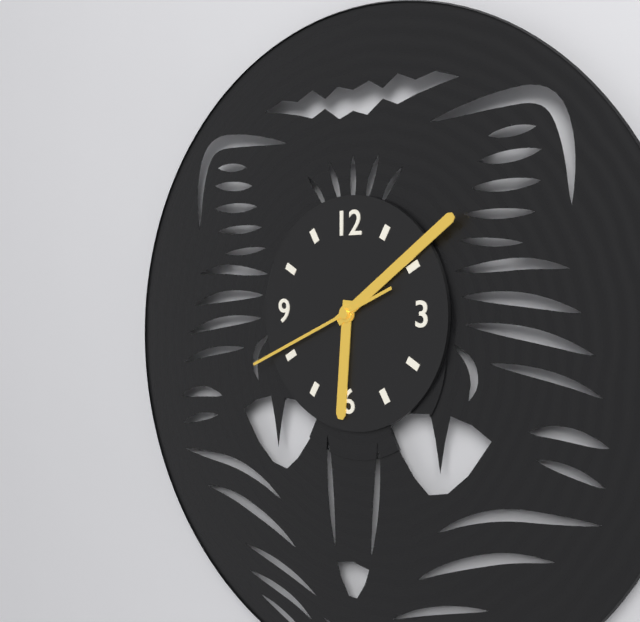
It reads **6:09:41**
